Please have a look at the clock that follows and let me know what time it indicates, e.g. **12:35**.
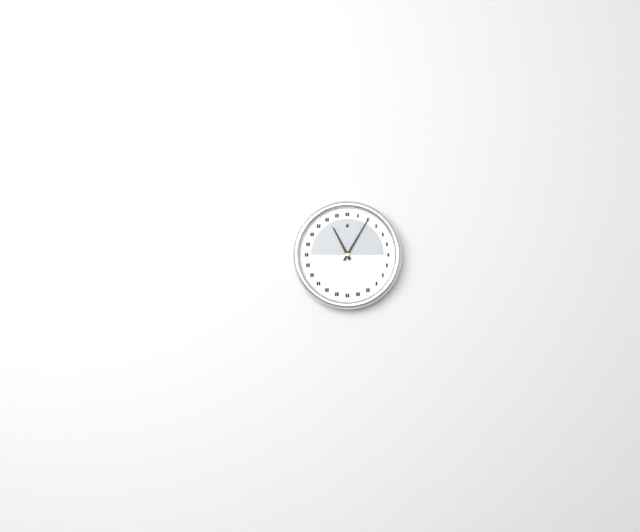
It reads **11:05**
